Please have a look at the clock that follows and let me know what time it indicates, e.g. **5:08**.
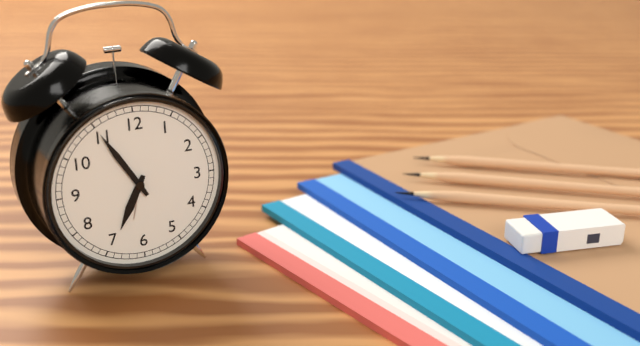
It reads **6:55**
